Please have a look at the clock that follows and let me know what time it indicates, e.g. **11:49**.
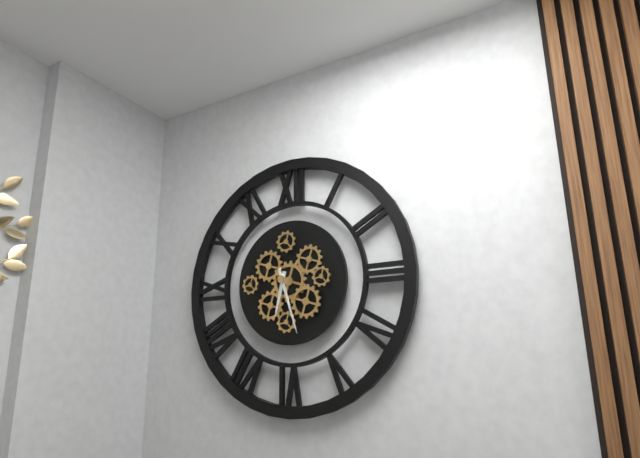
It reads **6:27**
